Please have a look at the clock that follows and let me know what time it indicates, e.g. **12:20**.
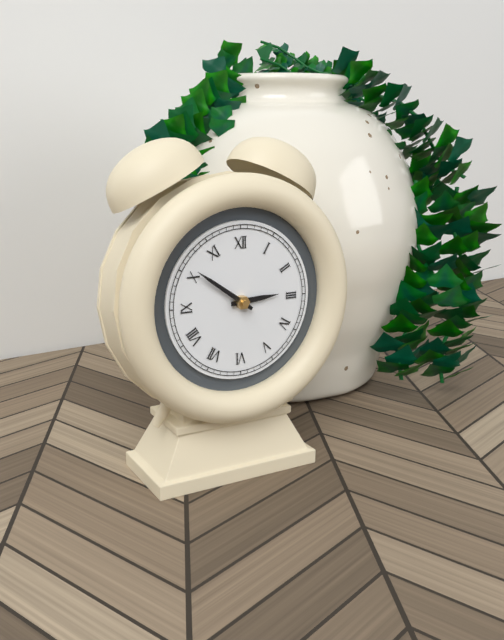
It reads **2:51**
